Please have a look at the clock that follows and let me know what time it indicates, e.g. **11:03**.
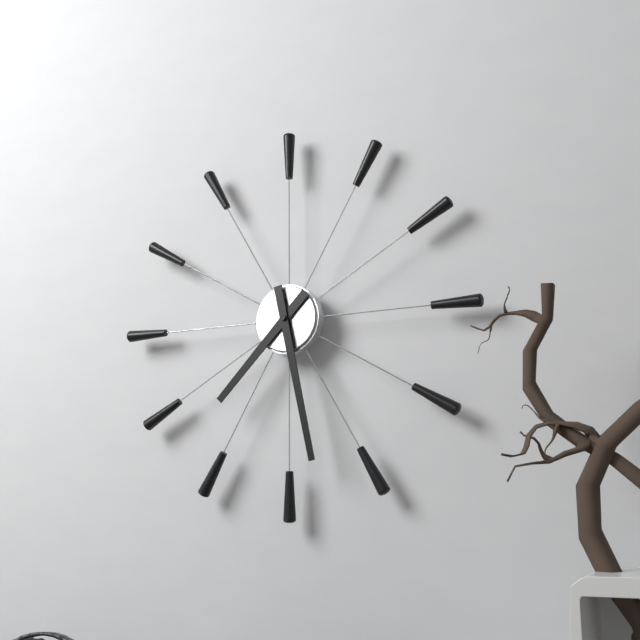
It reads **7:28**
